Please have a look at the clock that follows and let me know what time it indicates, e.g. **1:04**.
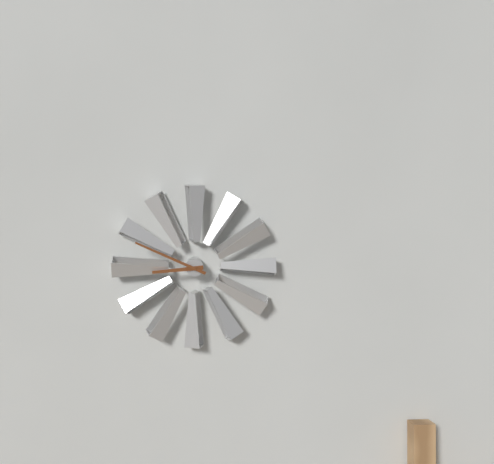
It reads **8:49**
